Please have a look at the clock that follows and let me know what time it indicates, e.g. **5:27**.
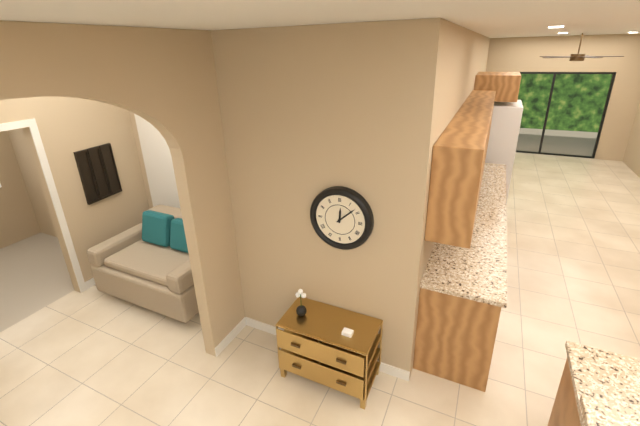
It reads **12:08**
